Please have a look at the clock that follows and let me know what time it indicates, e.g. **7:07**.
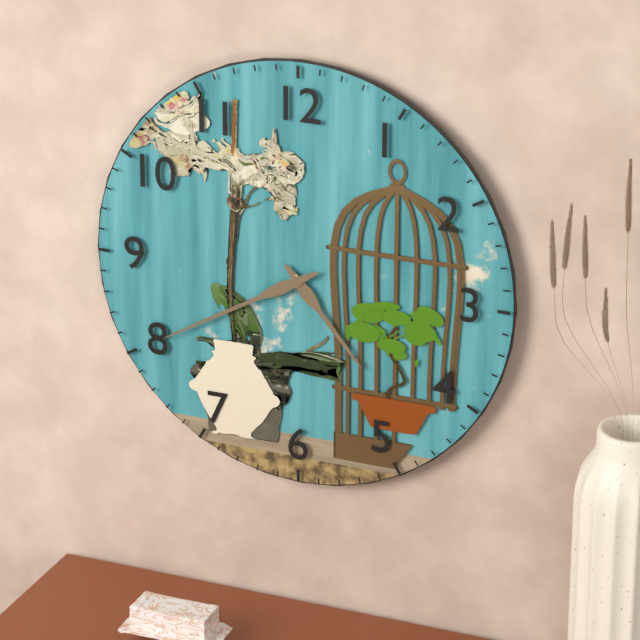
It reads **4:40**
